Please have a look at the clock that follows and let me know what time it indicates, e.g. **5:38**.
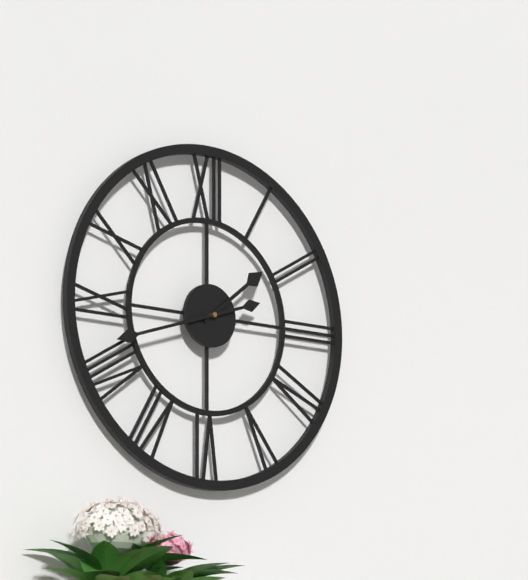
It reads **1:42**
